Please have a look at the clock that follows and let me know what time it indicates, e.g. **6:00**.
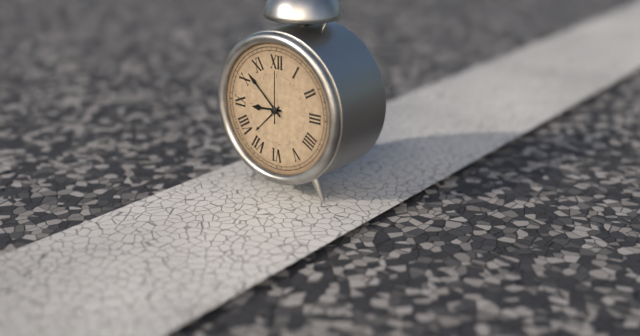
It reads **8:52**
